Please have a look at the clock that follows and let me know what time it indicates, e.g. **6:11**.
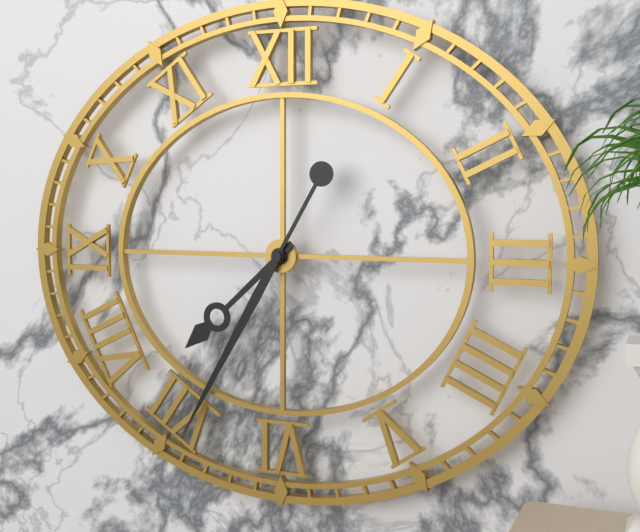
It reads **7:35**
